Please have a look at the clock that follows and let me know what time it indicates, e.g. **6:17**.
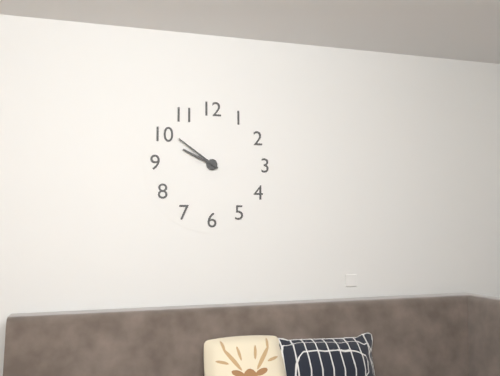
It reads **9:51**
